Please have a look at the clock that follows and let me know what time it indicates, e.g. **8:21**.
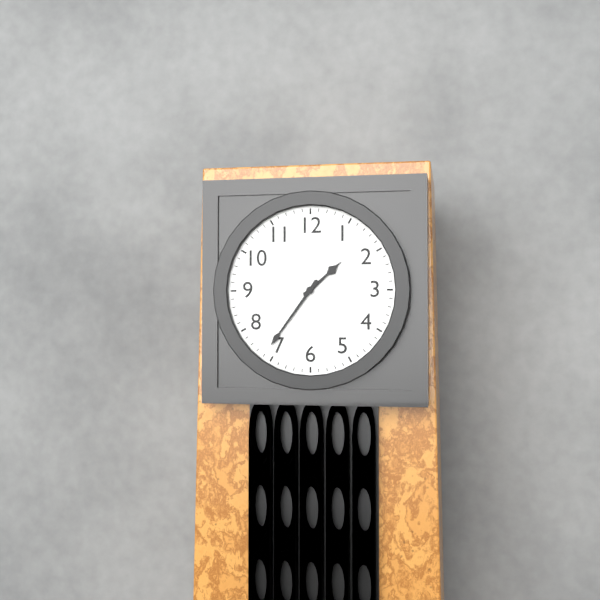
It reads **1:36**
